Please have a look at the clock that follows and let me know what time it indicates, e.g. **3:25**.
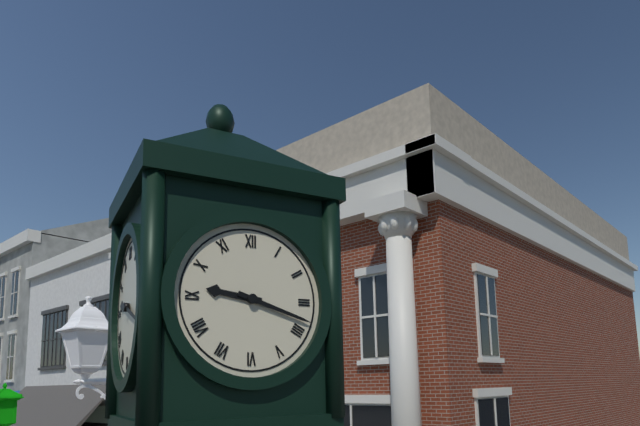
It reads **9:18**
